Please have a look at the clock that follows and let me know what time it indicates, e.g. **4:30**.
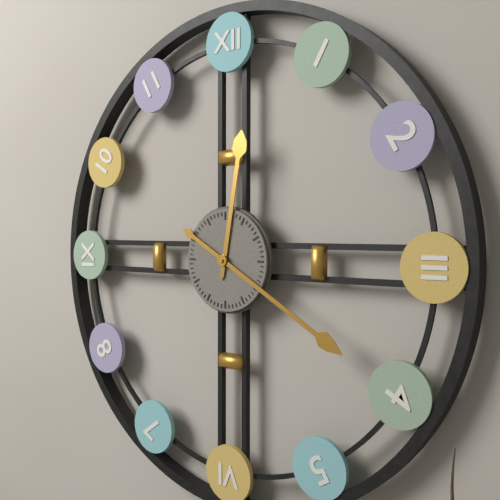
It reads **12:20**
